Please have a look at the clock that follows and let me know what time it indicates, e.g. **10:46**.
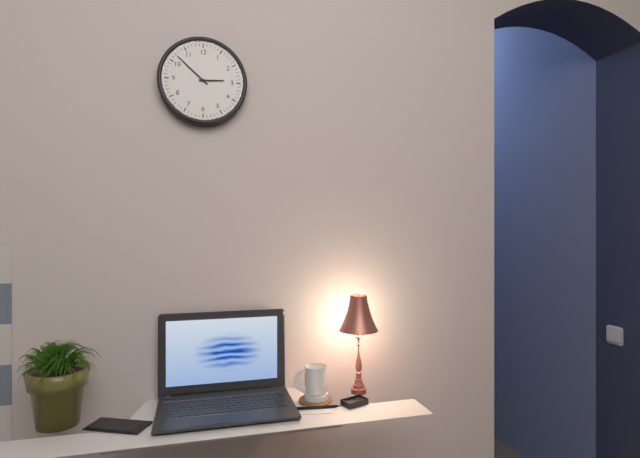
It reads **2:52**
